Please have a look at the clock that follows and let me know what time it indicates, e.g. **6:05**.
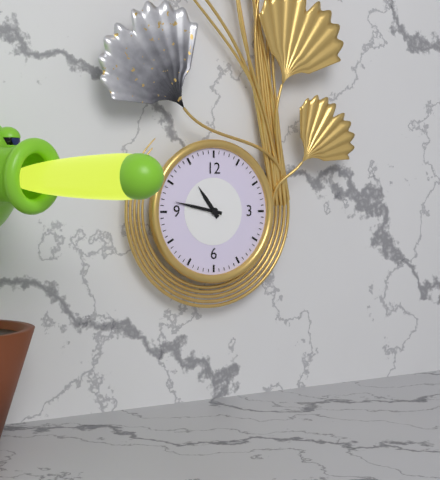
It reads **10:47**
